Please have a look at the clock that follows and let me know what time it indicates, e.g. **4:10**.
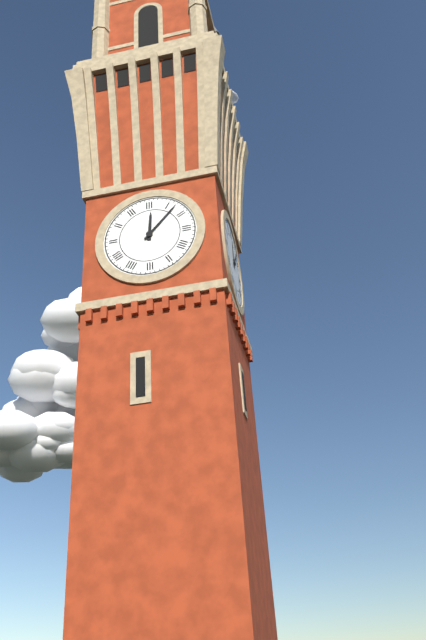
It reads **12:07**
